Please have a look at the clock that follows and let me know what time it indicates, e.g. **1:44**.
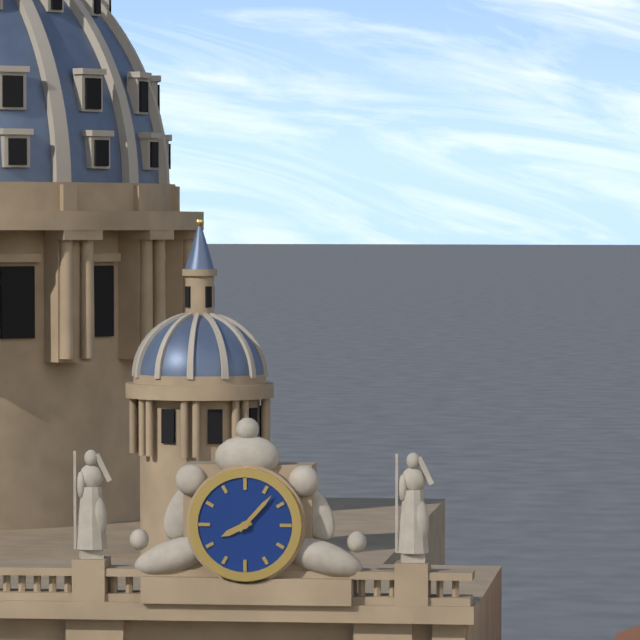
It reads **8:07**
